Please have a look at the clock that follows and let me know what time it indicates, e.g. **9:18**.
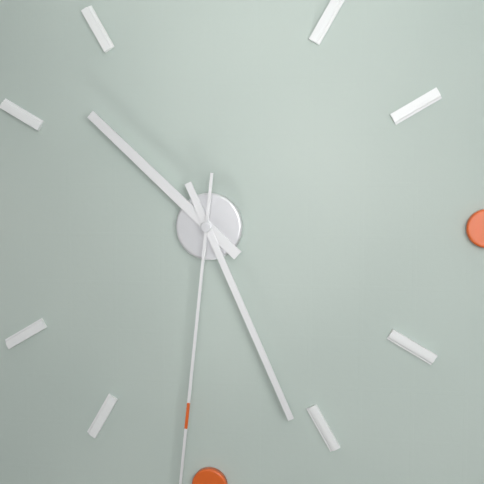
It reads **10:26**
